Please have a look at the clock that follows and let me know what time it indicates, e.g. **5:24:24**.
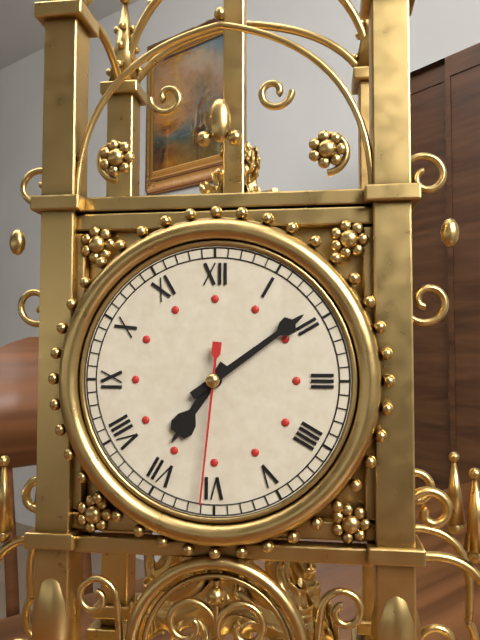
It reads **7:09:31**
